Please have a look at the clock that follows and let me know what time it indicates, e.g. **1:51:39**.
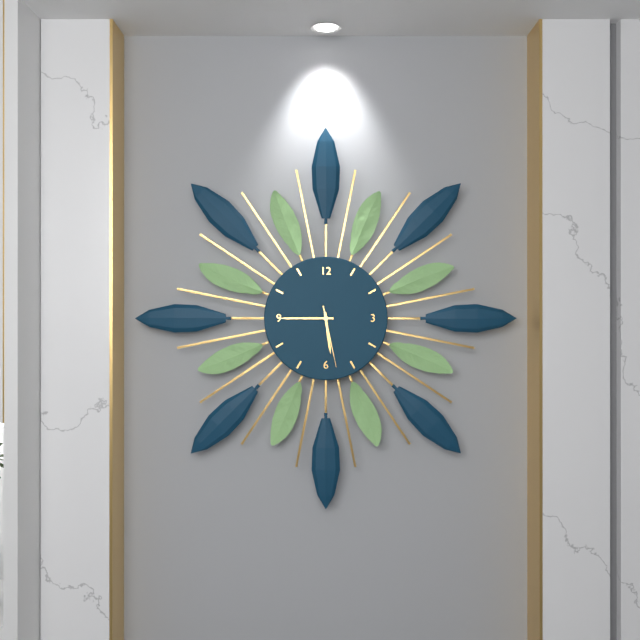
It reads **5:45:28**
